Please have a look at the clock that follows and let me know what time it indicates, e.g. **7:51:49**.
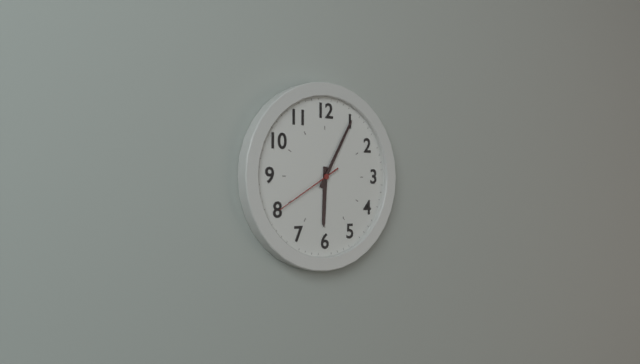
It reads **6:05:40**
